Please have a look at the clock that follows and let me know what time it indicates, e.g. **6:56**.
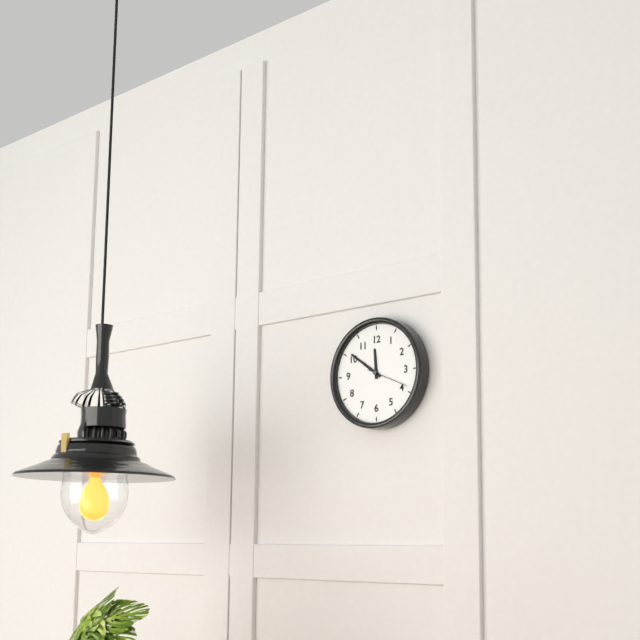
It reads **11:51**
